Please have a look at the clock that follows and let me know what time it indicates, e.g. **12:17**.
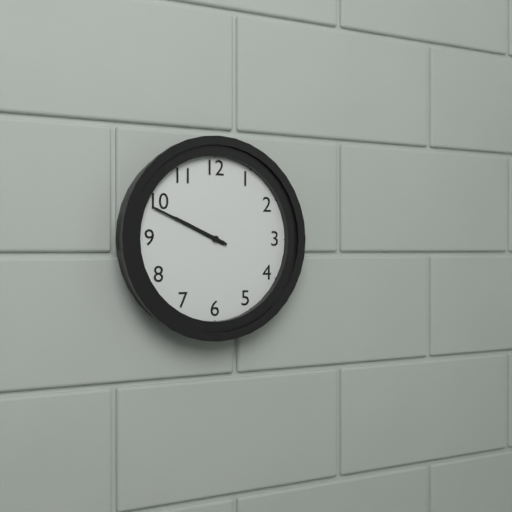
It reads **9:49**
